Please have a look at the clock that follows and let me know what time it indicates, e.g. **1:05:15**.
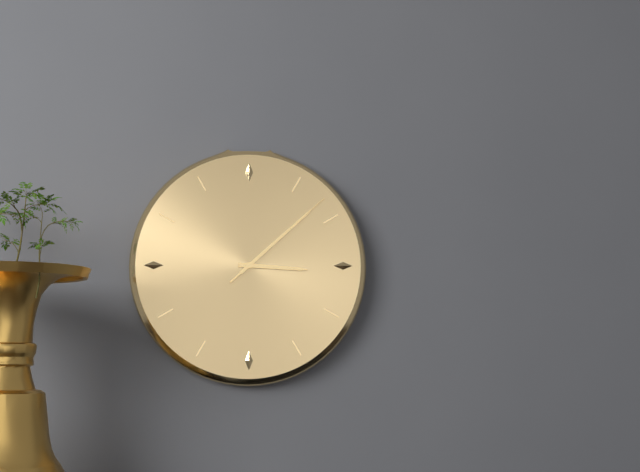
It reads **3:08:08**
